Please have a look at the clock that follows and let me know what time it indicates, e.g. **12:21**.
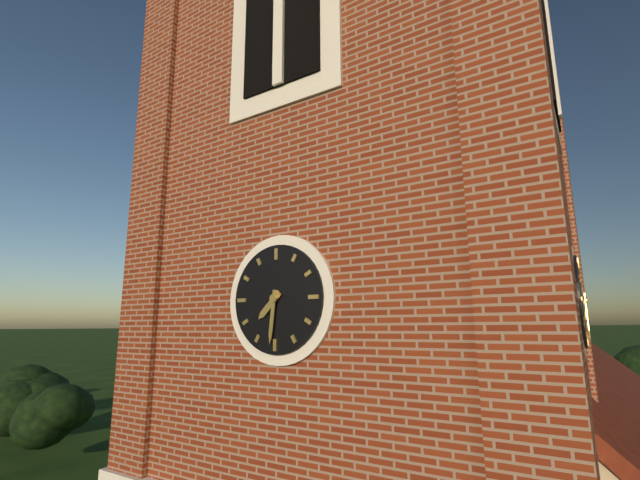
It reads **7:31**
